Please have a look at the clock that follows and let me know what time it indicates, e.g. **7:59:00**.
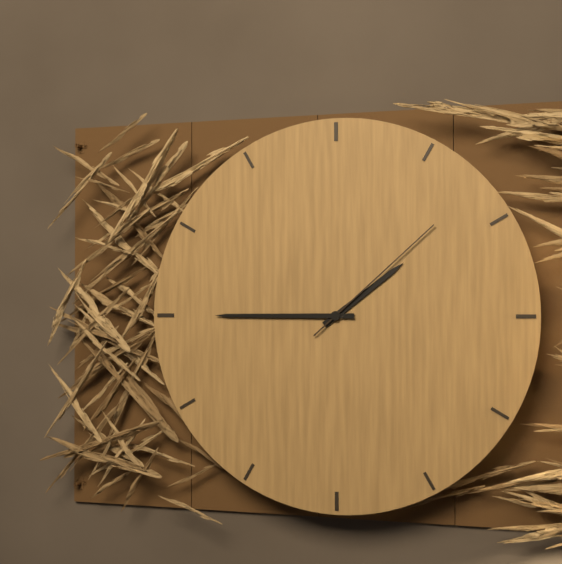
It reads **1:45:08**
